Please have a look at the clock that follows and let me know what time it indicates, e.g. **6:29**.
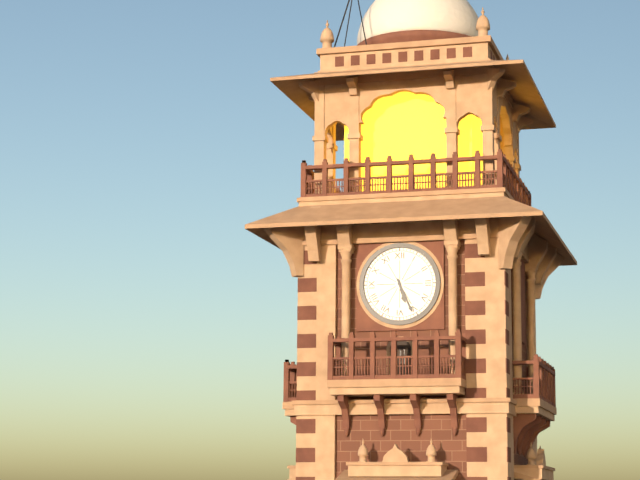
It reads **5:26**
